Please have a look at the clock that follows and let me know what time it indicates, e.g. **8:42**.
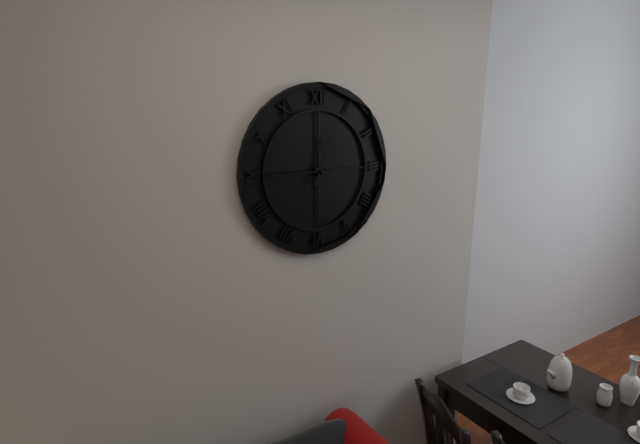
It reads **12:45**
